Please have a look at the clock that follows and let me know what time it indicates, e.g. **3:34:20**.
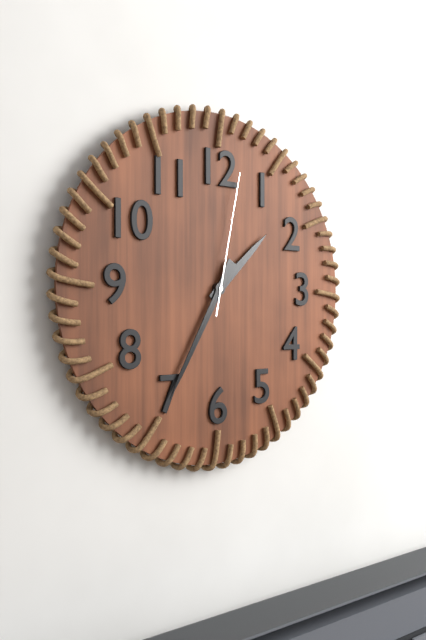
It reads **1:35:02**
